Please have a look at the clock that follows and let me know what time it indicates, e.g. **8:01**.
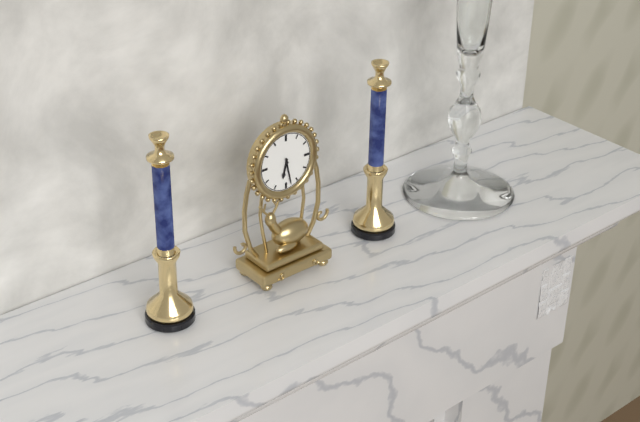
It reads **6:28**
